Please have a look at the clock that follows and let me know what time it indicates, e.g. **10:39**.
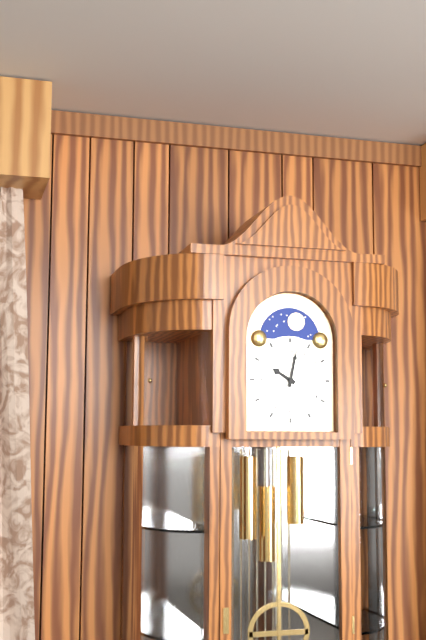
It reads **10:02**
